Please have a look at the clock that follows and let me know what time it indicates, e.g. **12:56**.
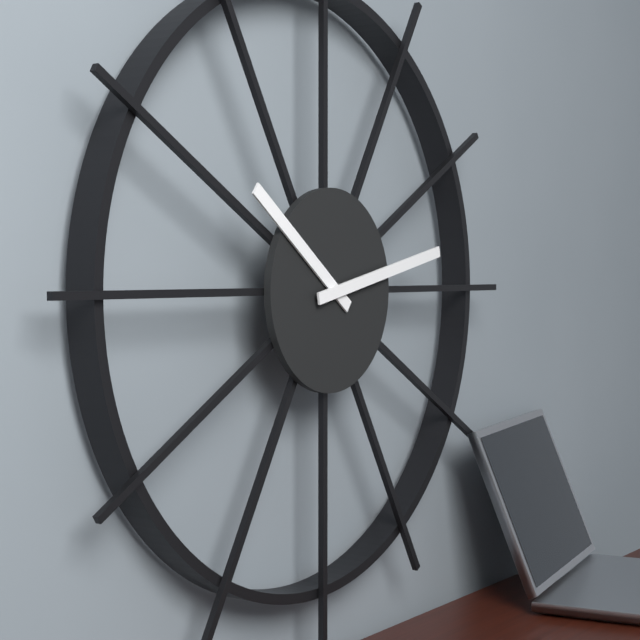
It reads **10:13**
